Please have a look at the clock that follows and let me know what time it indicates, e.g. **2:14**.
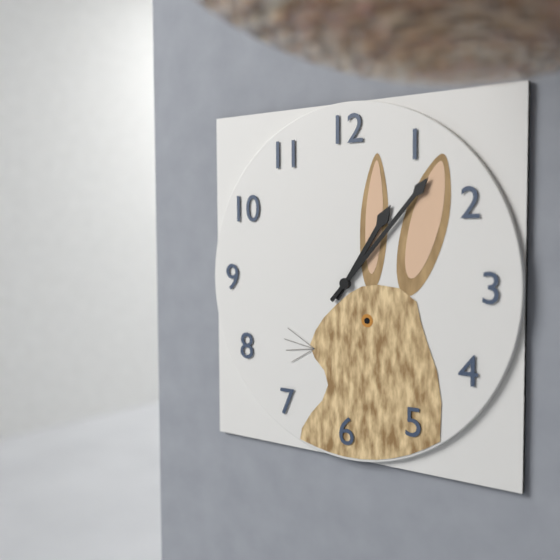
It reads **1:07**
